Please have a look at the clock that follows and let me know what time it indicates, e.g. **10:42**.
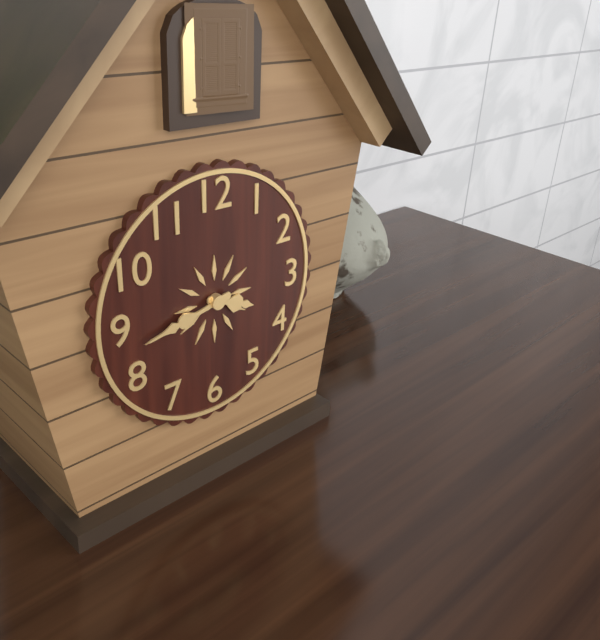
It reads **3:43**
